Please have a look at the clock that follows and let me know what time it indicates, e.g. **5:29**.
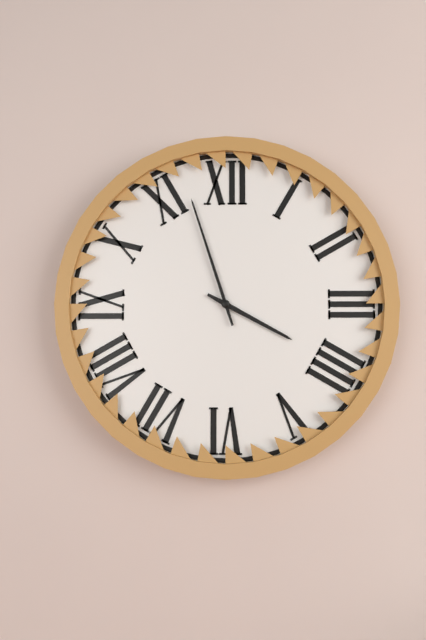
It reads **3:57**
